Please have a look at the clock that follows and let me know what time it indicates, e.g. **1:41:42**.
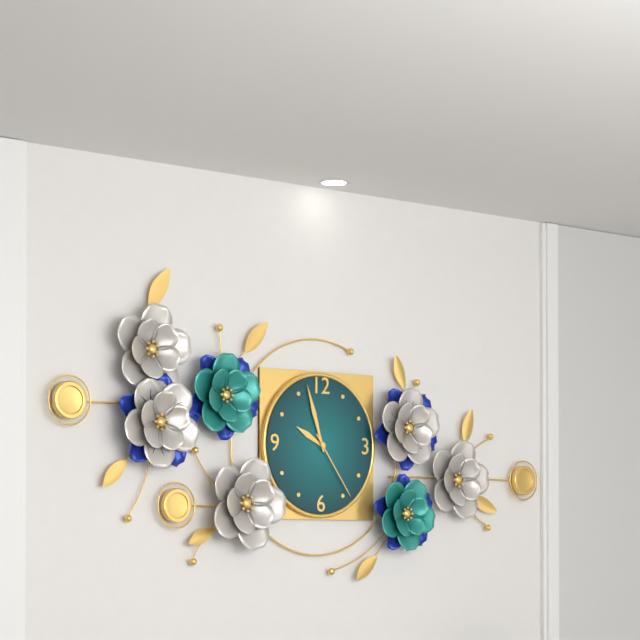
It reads **9:57:24**
